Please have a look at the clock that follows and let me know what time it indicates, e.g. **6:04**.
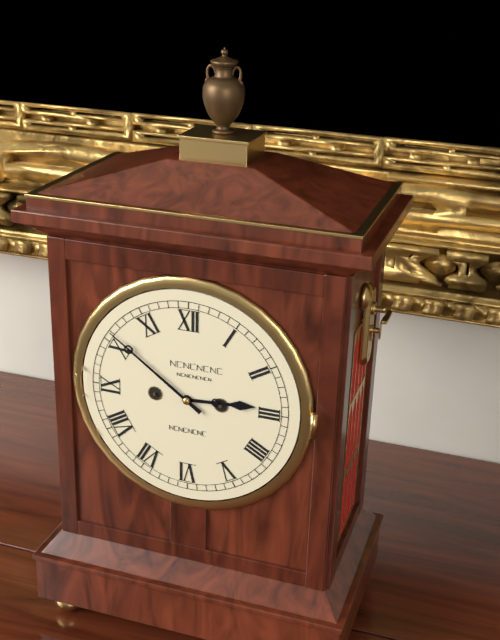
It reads **2:51**
